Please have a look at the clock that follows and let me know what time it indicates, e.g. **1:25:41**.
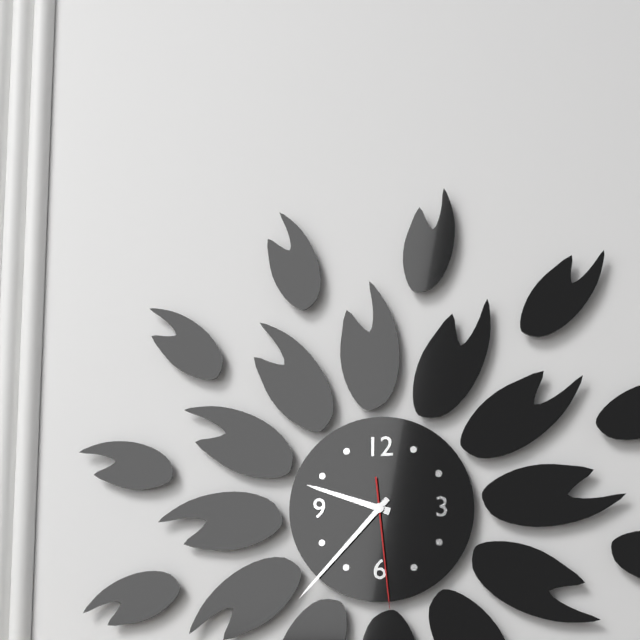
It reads **9:37:29**
